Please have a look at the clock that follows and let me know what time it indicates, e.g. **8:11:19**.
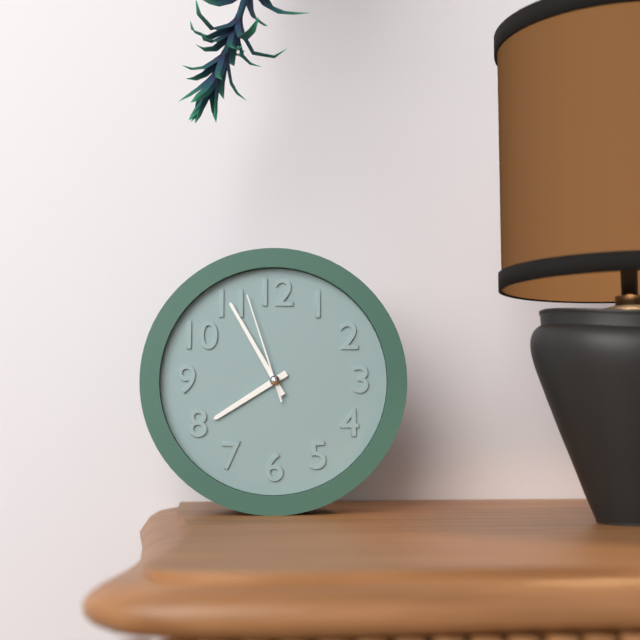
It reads **7:55:57**
